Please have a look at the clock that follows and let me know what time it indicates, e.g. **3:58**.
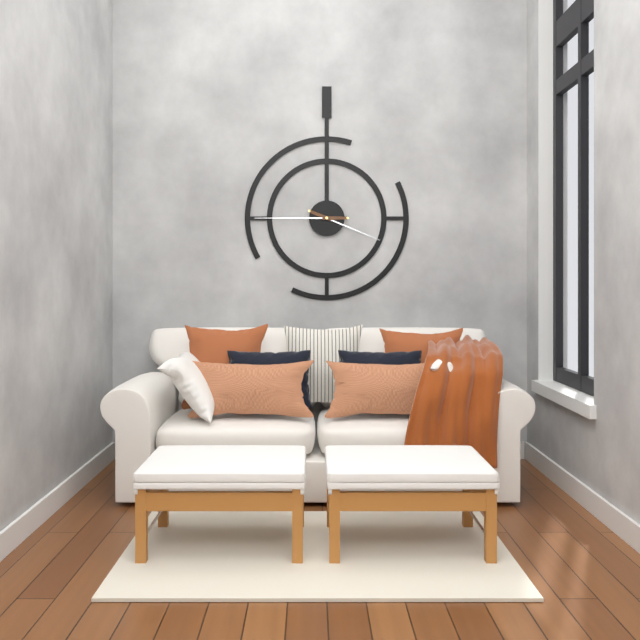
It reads **3:45**
